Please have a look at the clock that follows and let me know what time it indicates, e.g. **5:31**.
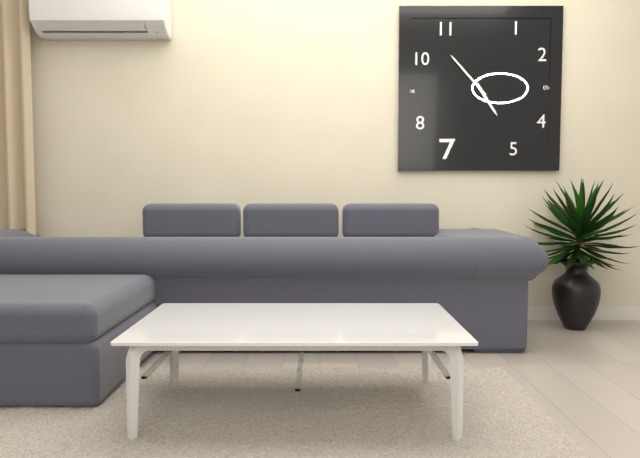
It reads **4:53**
